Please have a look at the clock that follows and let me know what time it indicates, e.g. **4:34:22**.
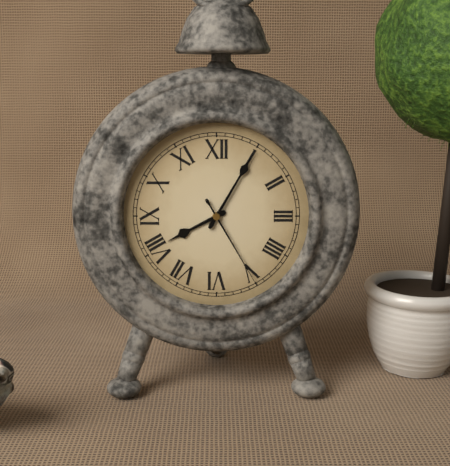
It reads **8:05:25**
